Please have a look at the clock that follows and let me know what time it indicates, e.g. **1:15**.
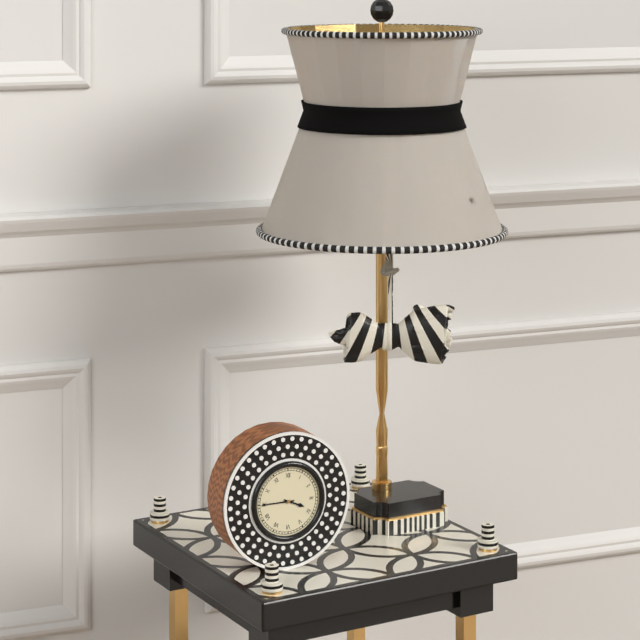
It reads **3:45**
